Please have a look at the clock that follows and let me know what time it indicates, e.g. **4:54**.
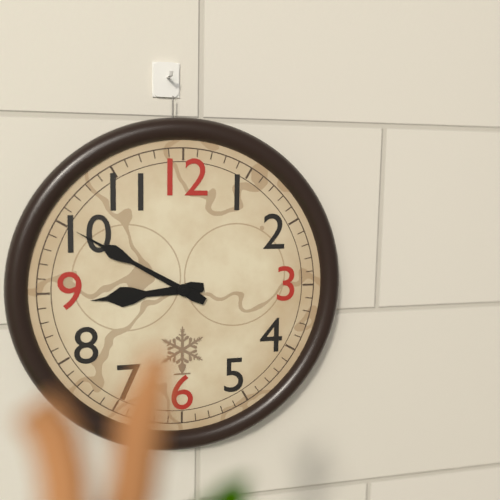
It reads **8:50**
